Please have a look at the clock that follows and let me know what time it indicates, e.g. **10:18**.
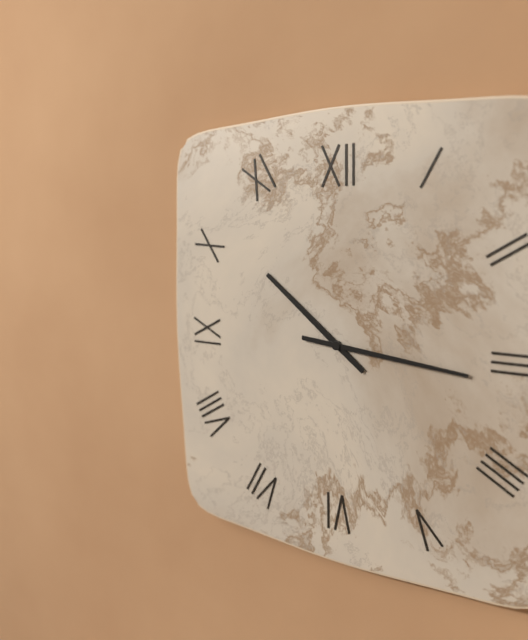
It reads **10:16**
